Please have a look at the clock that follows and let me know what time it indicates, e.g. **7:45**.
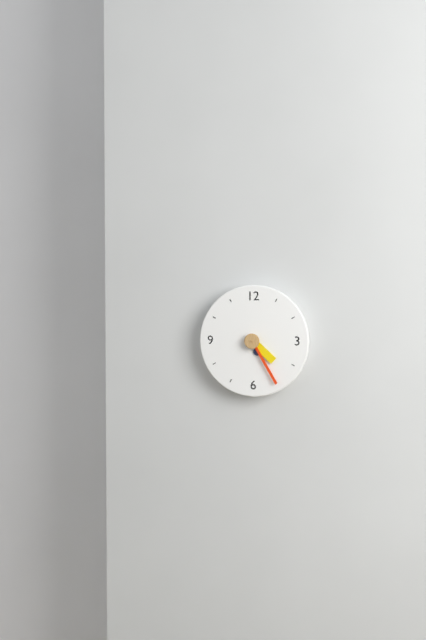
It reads **4:25**
